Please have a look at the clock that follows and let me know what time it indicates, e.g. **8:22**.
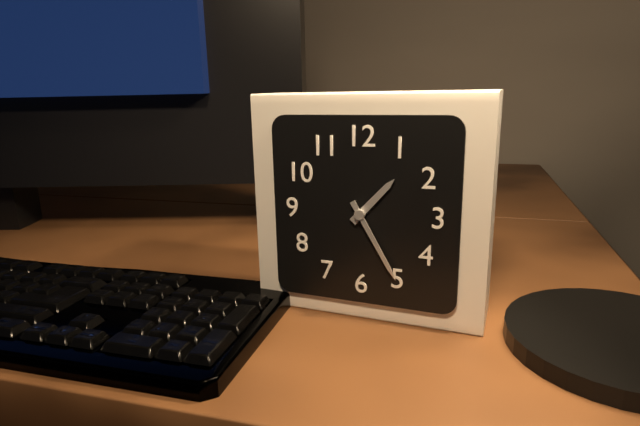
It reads **1:25**
